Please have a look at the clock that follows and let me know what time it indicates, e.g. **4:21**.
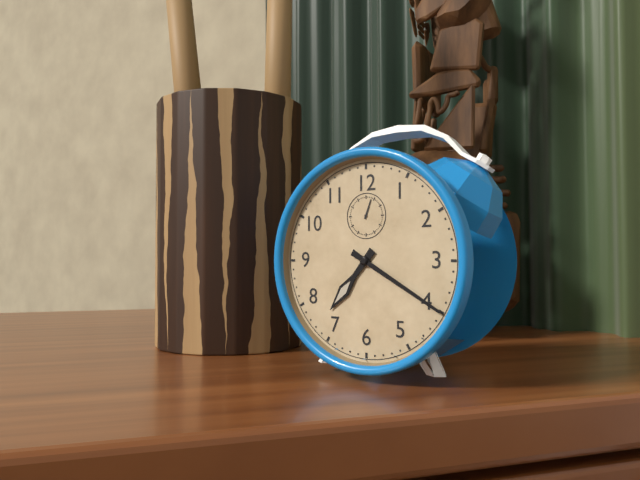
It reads **7:20**
